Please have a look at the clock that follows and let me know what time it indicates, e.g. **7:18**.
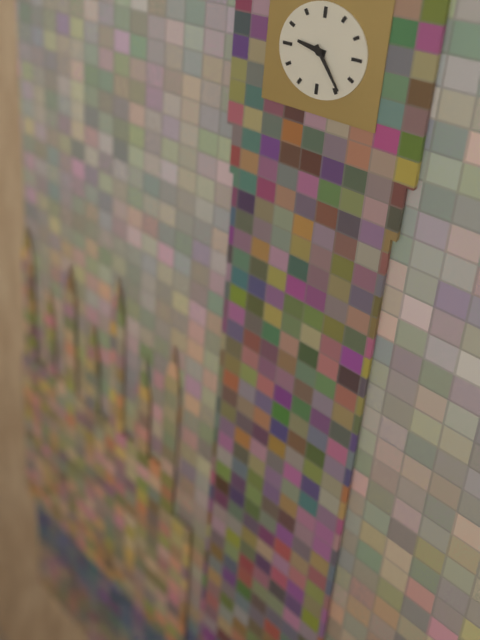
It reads **9:24**
